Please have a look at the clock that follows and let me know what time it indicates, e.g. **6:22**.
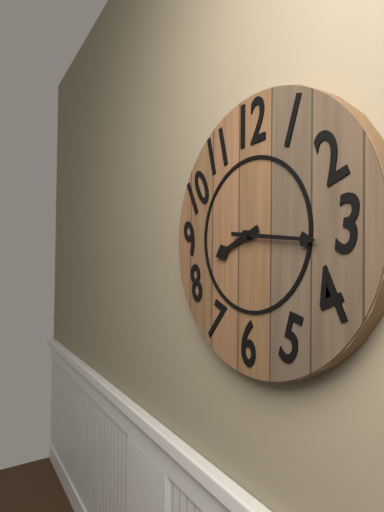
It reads **8:16**
